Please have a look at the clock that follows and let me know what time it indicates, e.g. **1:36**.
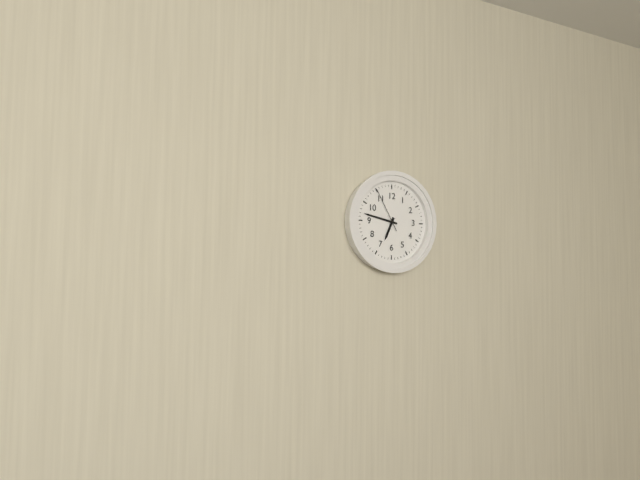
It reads **6:47**
